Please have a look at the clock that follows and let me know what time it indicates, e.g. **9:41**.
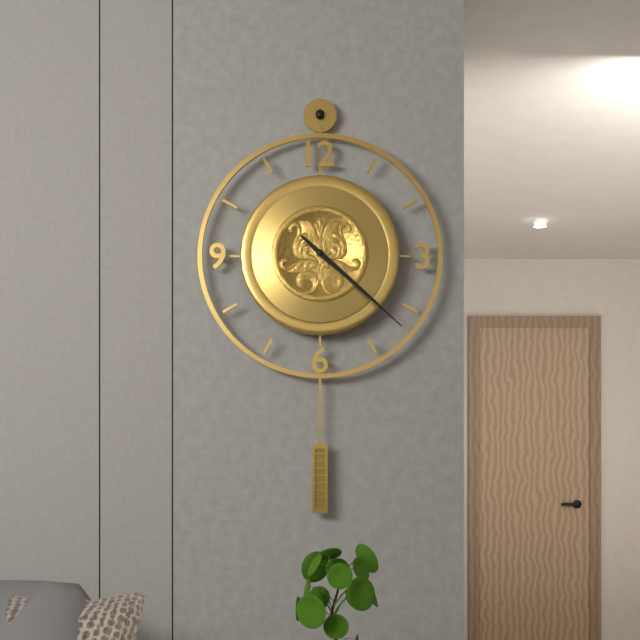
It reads **4:22**
